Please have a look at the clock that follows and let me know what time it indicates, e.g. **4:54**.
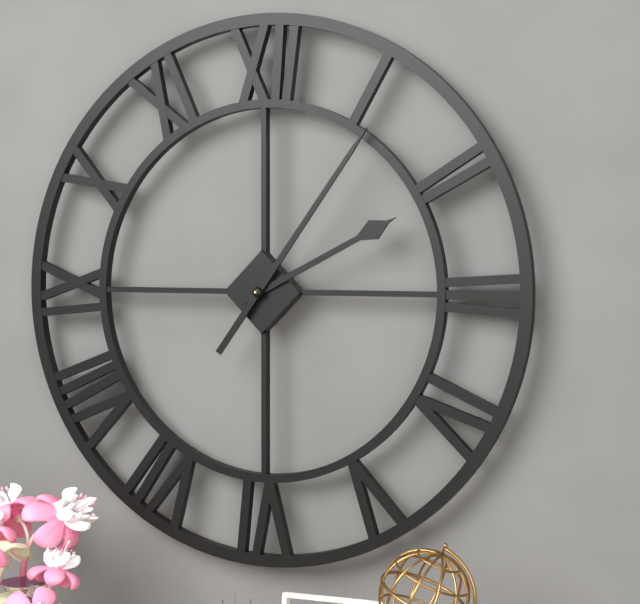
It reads **2:06**
